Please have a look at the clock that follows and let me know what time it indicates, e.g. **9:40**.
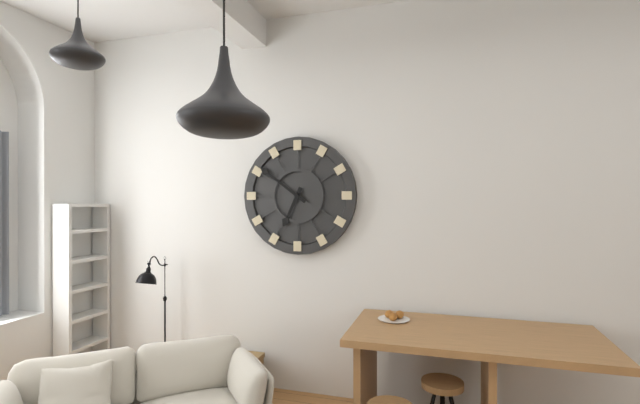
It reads **6:51**
